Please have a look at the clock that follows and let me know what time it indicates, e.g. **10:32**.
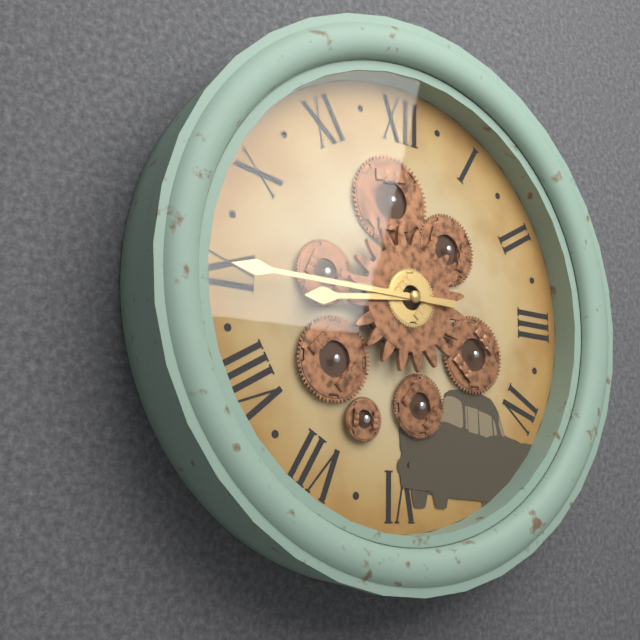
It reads **8:45**
